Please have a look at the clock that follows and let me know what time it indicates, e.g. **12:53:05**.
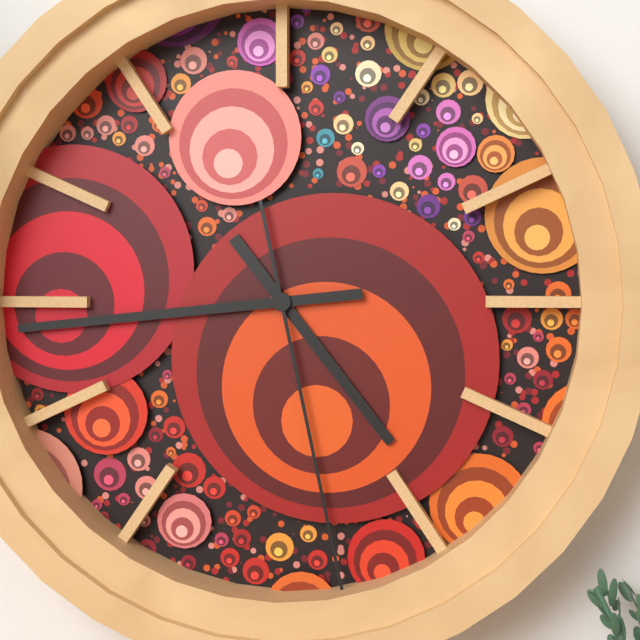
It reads **4:44:28**
